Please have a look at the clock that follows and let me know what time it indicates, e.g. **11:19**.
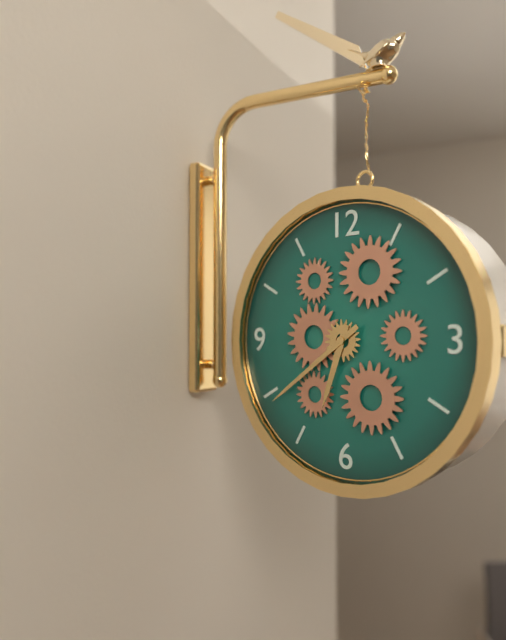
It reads **6:39**
